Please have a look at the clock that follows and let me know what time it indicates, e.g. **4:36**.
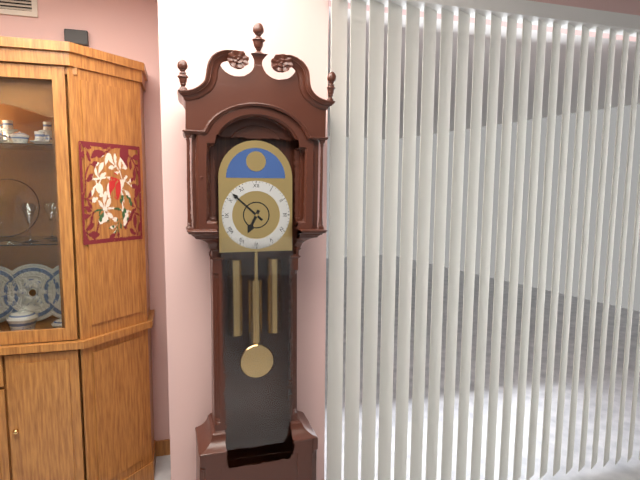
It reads **6:52**
